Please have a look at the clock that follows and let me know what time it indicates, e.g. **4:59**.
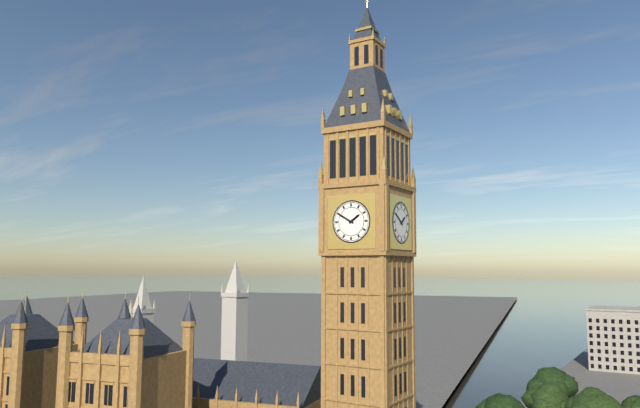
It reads **1:50**
